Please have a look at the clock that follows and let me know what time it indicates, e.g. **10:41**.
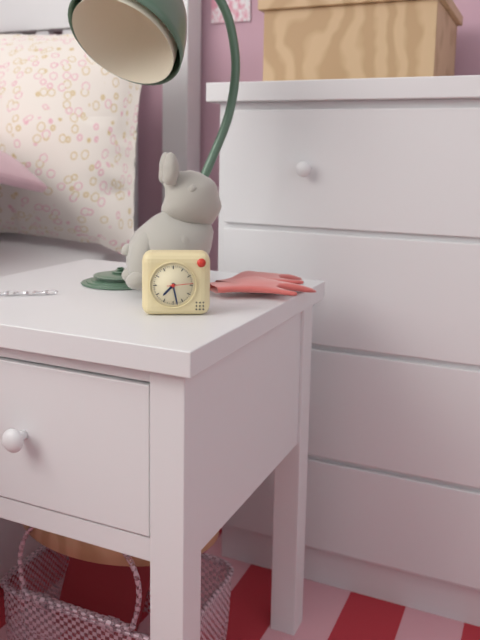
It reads **7:28**
